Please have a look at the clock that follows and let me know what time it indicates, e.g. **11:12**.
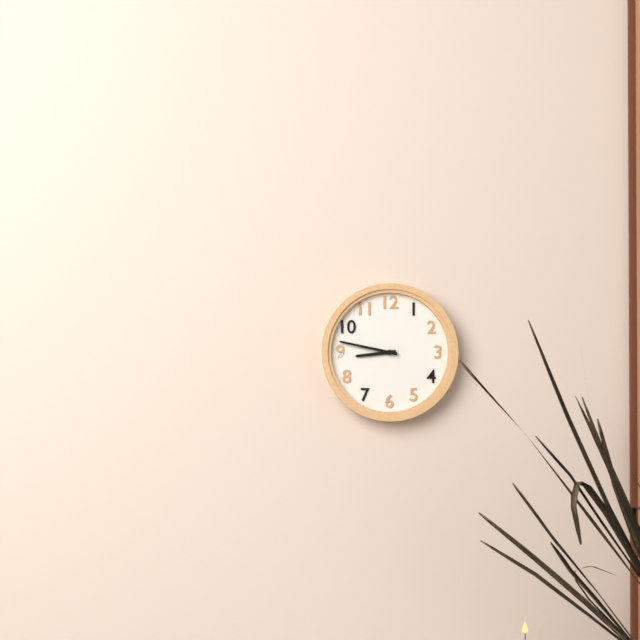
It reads **8:47**
